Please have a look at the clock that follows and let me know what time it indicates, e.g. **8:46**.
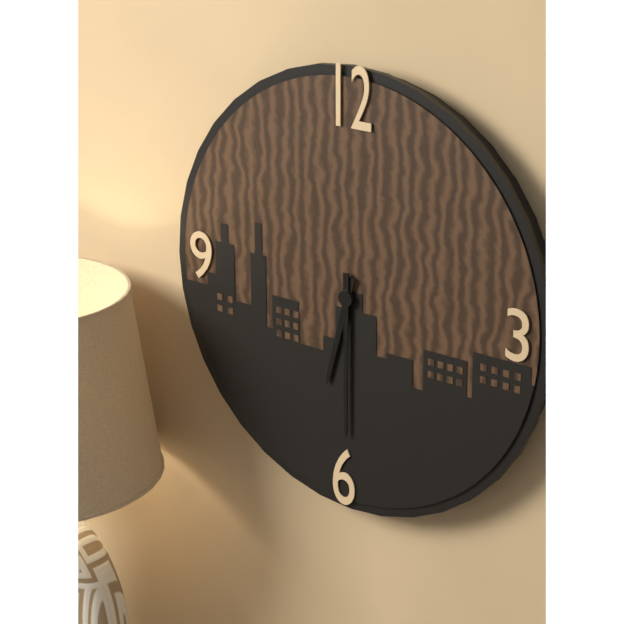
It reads **6:30**
